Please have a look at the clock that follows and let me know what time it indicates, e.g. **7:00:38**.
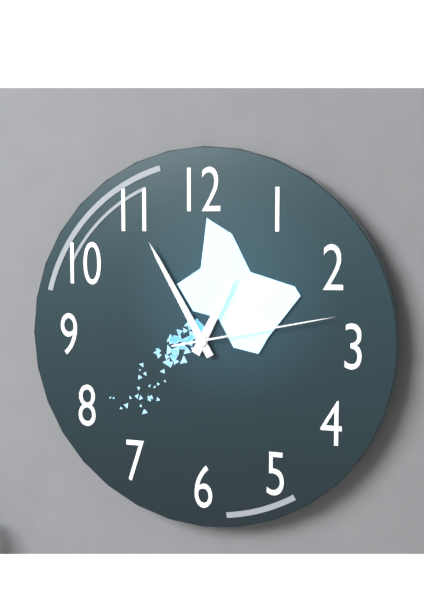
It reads **12:55:13**
